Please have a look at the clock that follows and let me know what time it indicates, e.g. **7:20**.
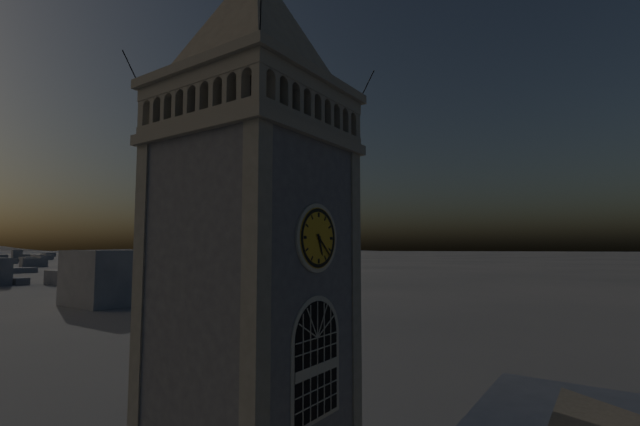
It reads **5:22**
